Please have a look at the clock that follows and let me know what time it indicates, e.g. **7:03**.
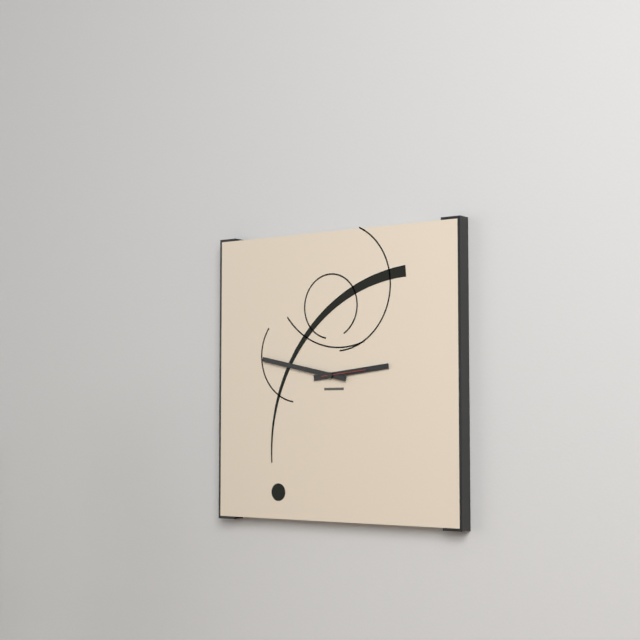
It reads **2:47**
